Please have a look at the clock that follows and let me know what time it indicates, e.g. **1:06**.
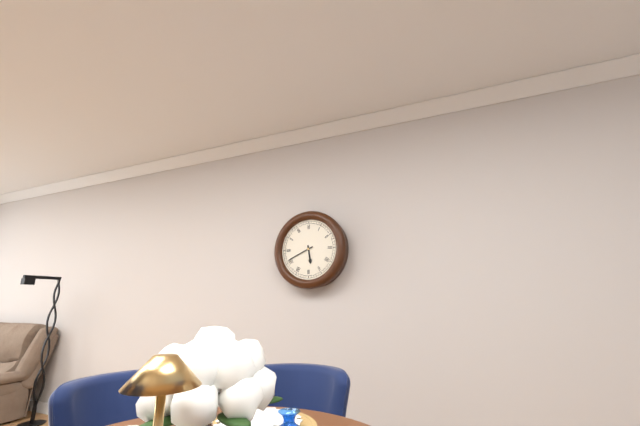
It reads **5:41**
